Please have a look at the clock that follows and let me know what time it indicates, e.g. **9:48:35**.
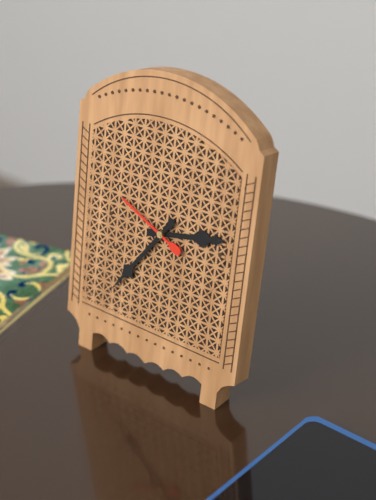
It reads **2:36:49**
